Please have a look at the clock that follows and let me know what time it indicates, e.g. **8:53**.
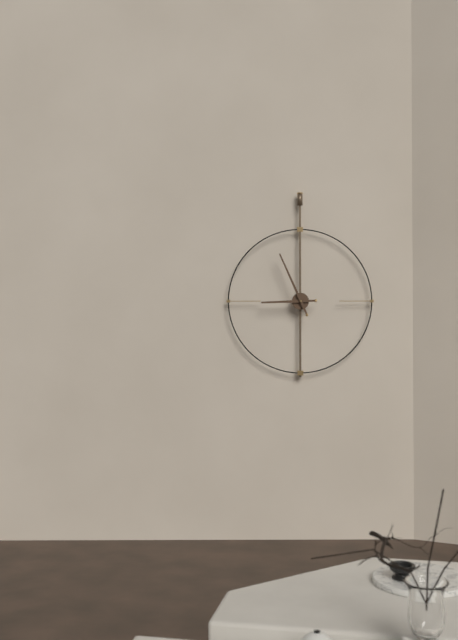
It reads **8:56**
